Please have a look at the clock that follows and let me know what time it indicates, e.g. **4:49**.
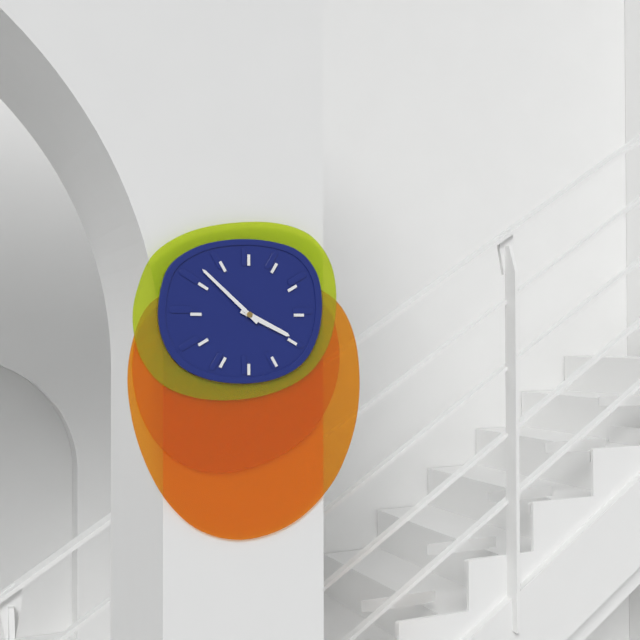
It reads **3:52**
